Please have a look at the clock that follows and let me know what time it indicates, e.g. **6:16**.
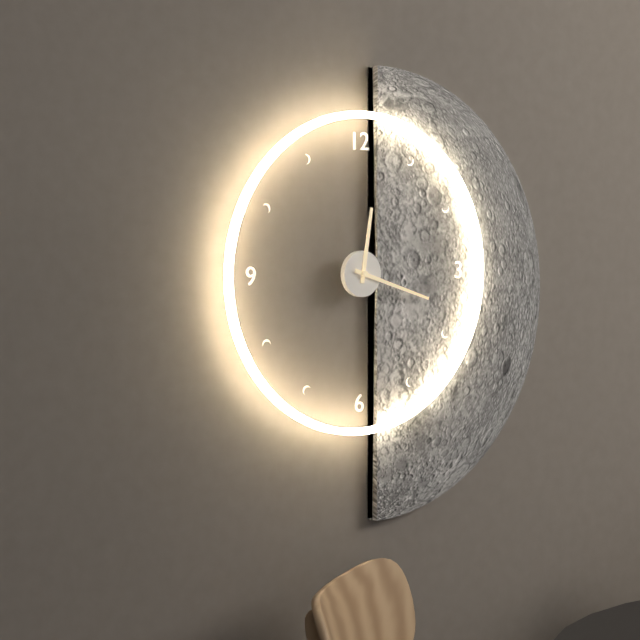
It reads **12:18**
